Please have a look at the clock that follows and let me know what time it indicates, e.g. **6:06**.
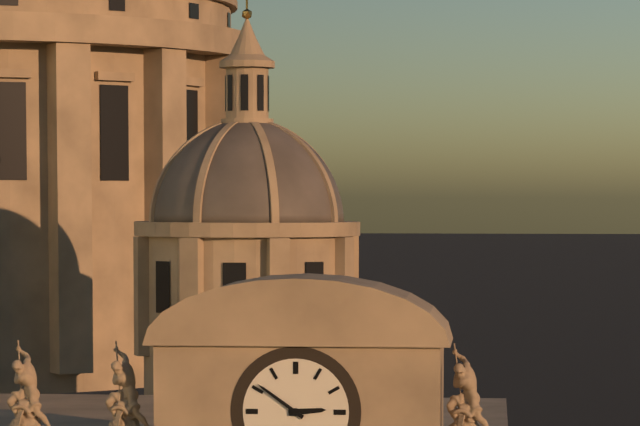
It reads **2:51**
